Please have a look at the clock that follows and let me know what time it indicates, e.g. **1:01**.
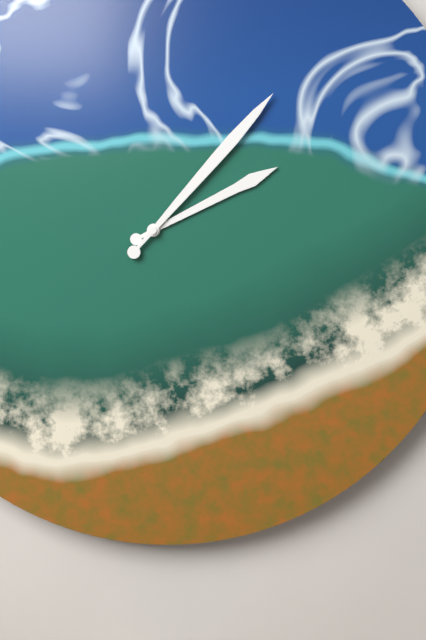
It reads **2:07**
